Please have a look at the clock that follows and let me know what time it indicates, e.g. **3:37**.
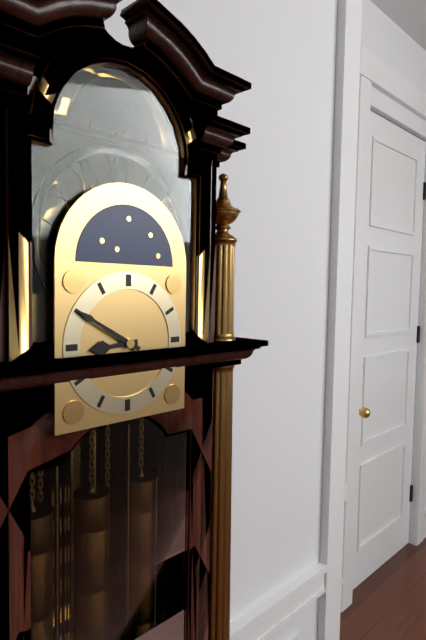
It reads **8:50**
